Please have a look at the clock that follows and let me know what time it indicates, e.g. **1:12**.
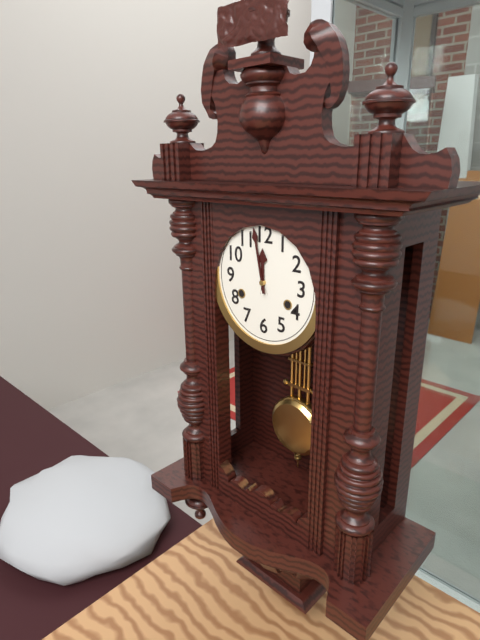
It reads **11:58**
